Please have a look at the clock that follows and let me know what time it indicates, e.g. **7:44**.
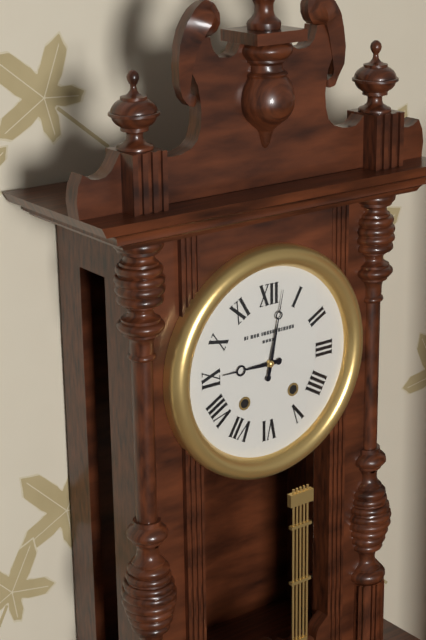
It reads **9:02**
